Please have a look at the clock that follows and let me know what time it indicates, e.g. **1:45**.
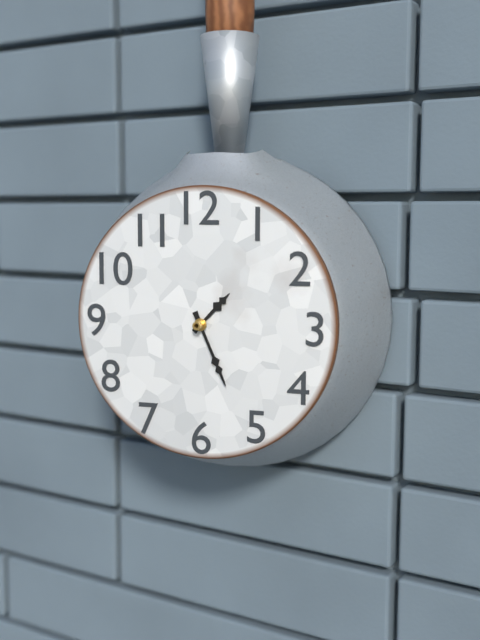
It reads **1:26**
